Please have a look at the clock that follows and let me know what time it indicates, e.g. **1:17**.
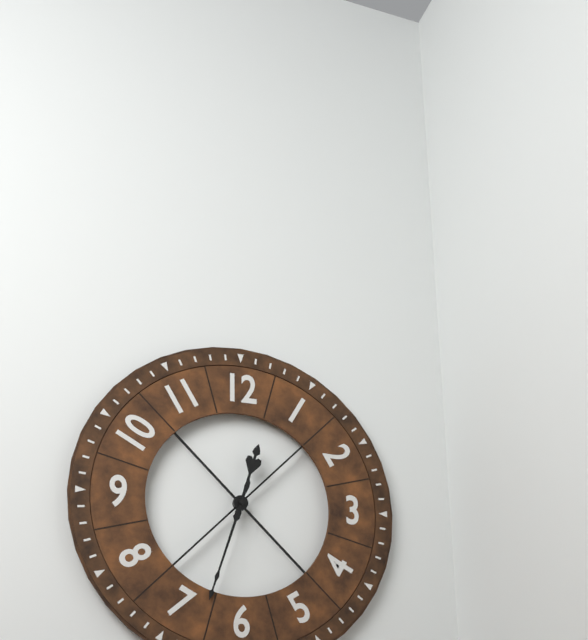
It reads **12:33**
